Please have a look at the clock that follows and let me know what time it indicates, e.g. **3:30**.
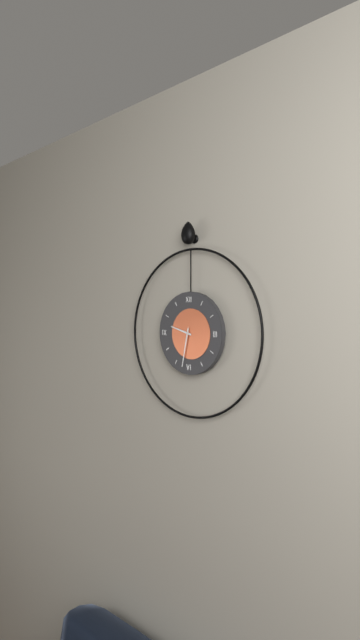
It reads **9:32**
